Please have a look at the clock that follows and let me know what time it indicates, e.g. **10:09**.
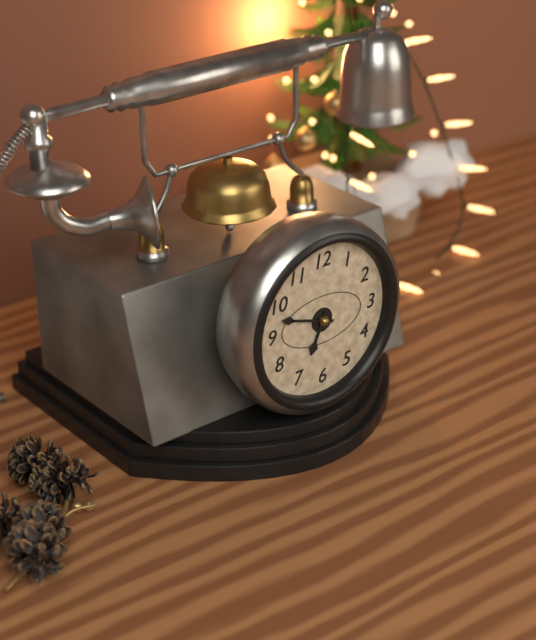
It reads **6:48**
